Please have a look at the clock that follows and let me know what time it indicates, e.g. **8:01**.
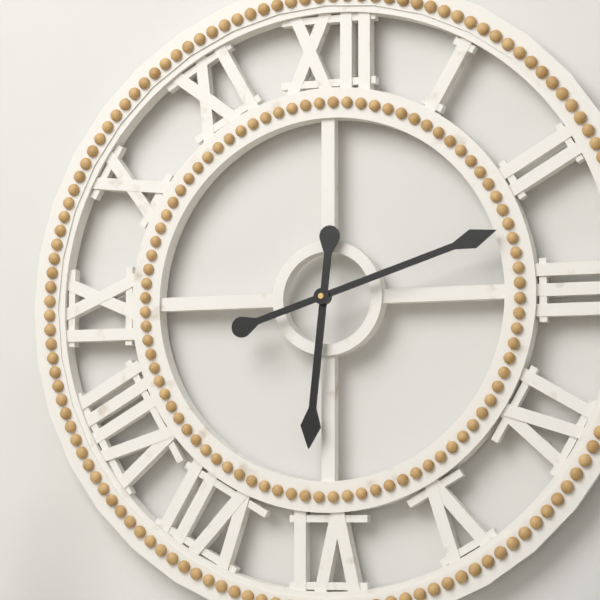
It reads **6:12**
